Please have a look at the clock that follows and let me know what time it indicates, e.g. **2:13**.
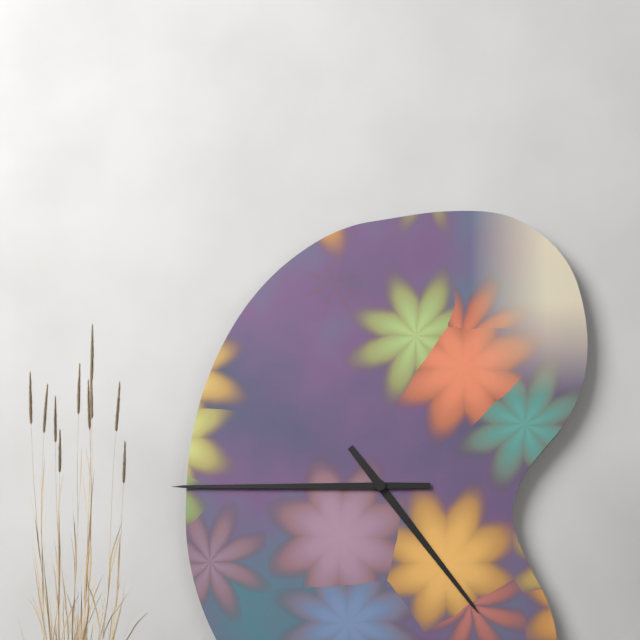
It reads **4:45**
